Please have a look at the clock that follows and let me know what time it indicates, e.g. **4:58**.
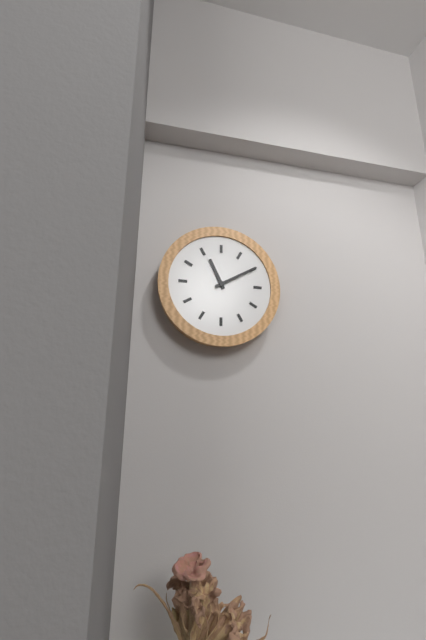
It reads **11:10**
